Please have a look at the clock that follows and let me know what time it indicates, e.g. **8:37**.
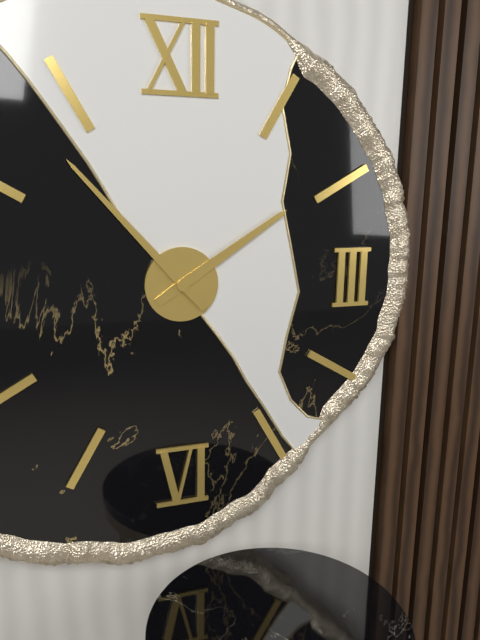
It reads **1:53**
